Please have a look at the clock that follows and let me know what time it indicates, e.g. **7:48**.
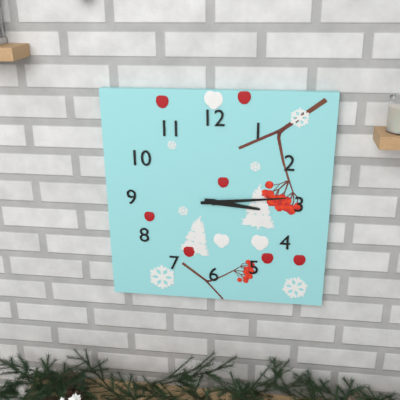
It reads **3:14**
